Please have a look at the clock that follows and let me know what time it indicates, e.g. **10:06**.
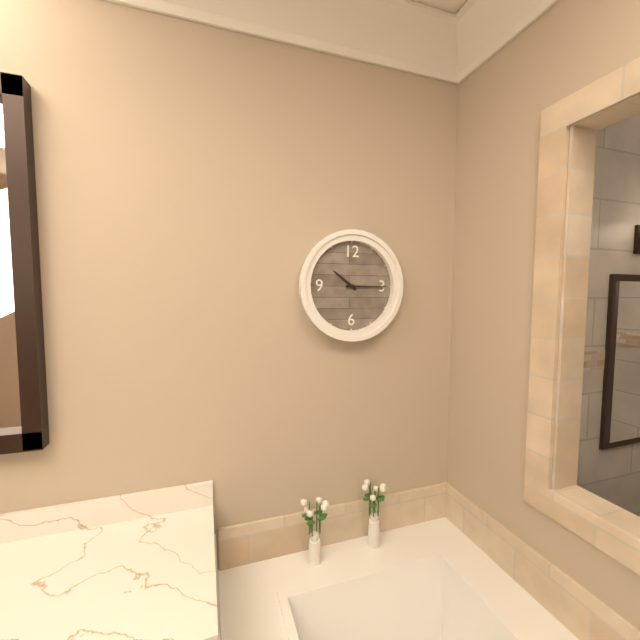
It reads **10:15**
